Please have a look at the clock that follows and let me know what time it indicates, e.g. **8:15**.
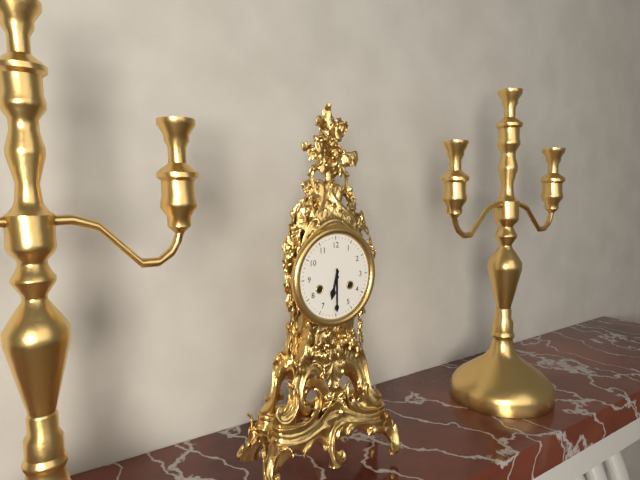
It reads **6:30**
